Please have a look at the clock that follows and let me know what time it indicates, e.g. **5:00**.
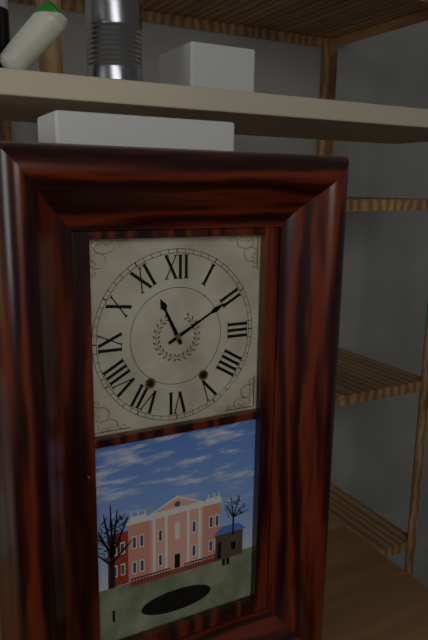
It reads **11:10**
